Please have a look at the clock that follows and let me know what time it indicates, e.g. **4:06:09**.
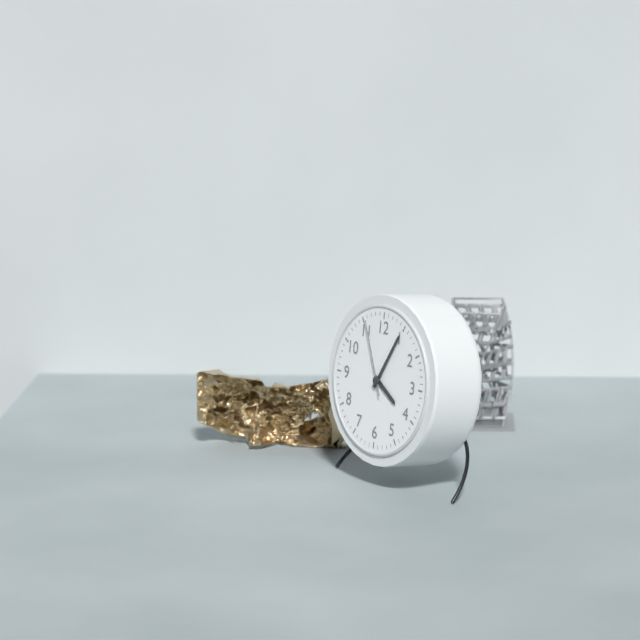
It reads **4:05:56**
